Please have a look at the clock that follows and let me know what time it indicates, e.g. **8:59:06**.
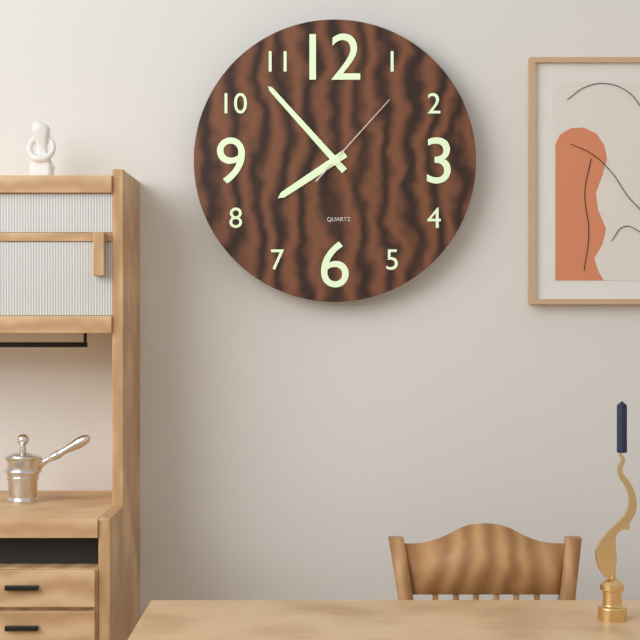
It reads **7:53:07**
